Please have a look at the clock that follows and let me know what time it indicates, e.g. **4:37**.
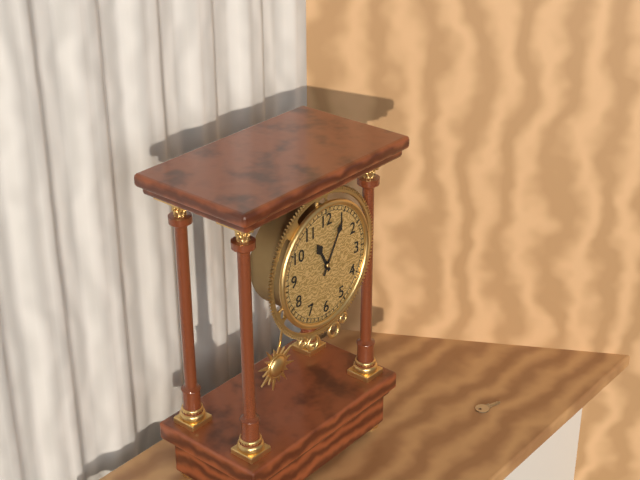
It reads **11:05**
